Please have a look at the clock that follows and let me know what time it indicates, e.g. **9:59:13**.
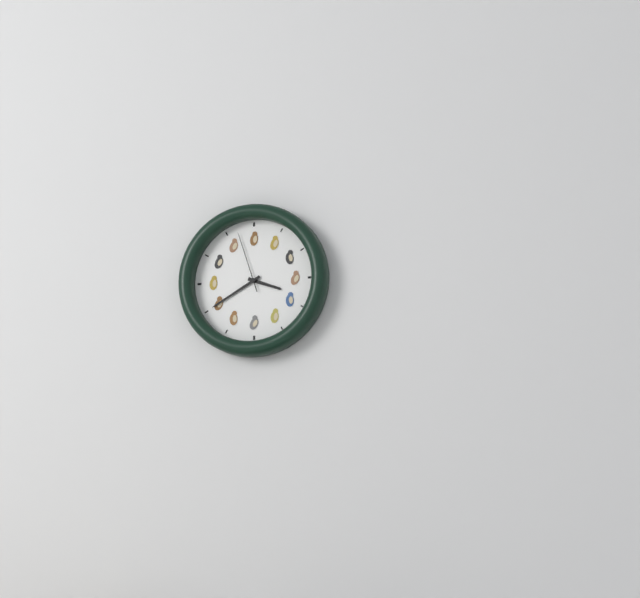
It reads **3:40:57**
